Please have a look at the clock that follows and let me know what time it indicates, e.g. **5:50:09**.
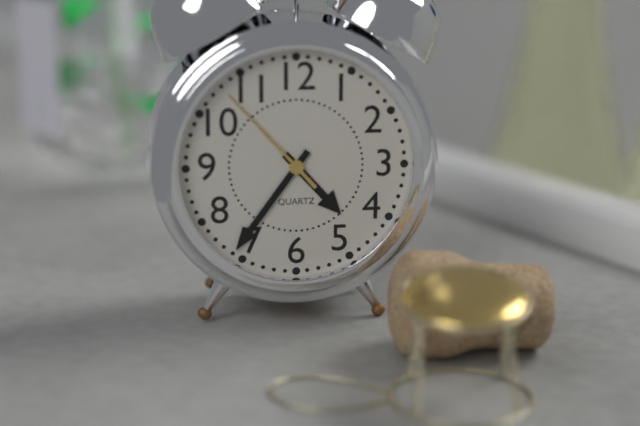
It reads **4:36:53**
